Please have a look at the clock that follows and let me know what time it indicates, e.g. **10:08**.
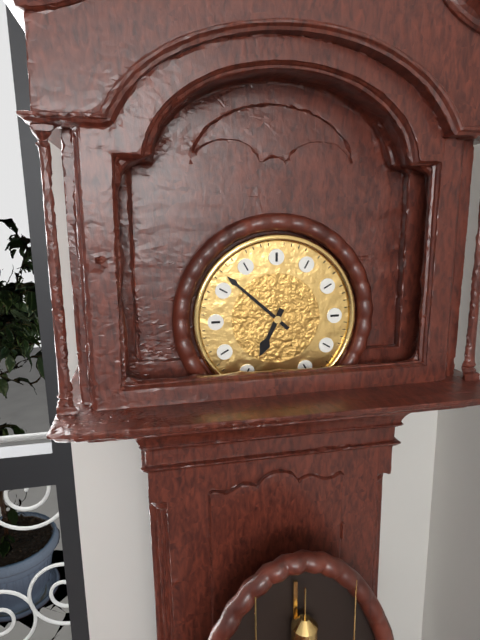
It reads **6:52**
